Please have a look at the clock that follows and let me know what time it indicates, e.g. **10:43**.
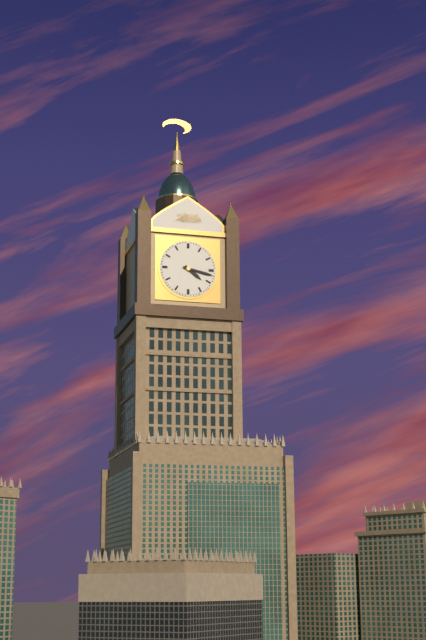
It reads **4:17**
